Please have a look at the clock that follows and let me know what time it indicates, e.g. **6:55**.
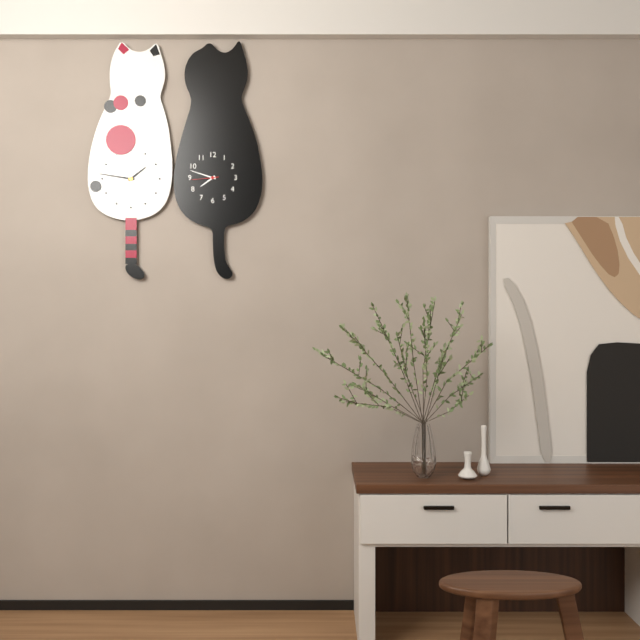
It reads **7:48**
